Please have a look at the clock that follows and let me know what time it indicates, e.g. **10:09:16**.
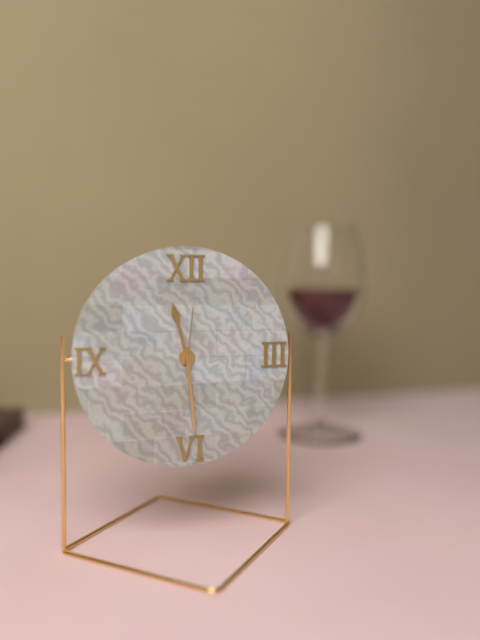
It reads **11:29:01**
